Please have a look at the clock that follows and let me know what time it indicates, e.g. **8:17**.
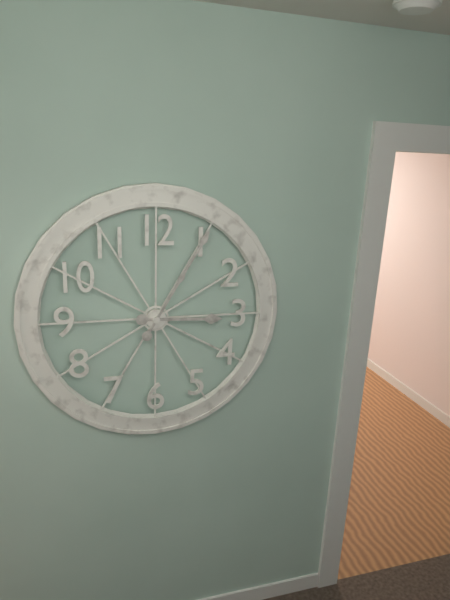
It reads **3:05**
